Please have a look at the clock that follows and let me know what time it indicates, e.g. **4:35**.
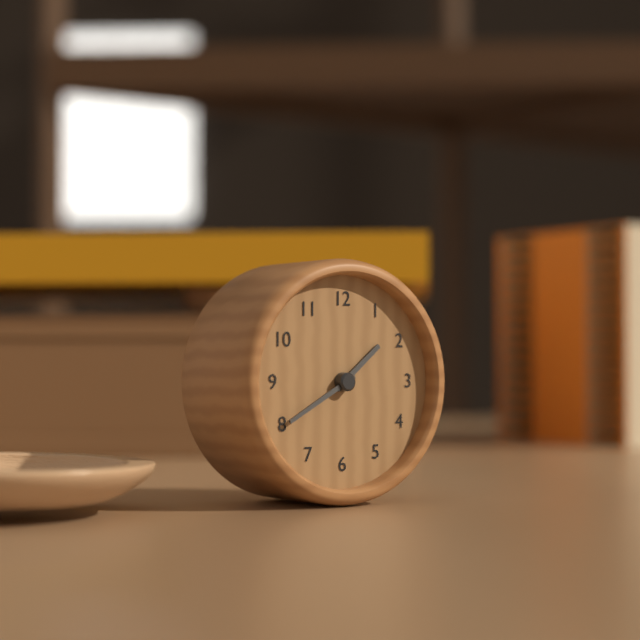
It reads **1:40**
